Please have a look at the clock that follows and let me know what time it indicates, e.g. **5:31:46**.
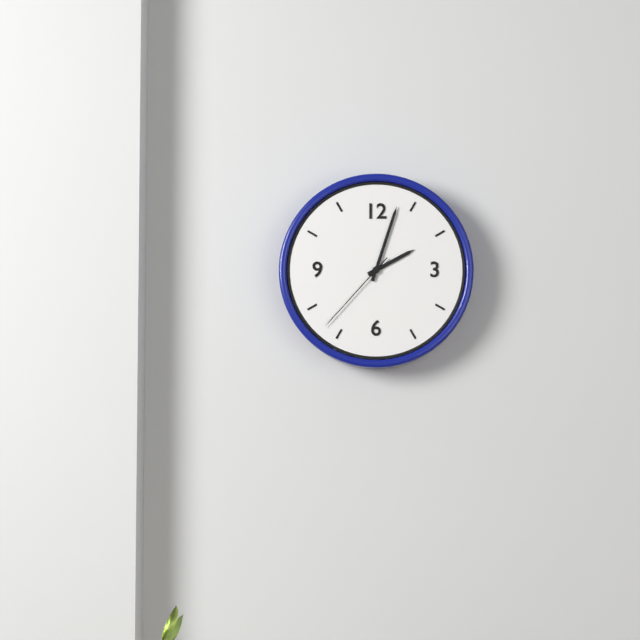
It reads **2:03:37**
